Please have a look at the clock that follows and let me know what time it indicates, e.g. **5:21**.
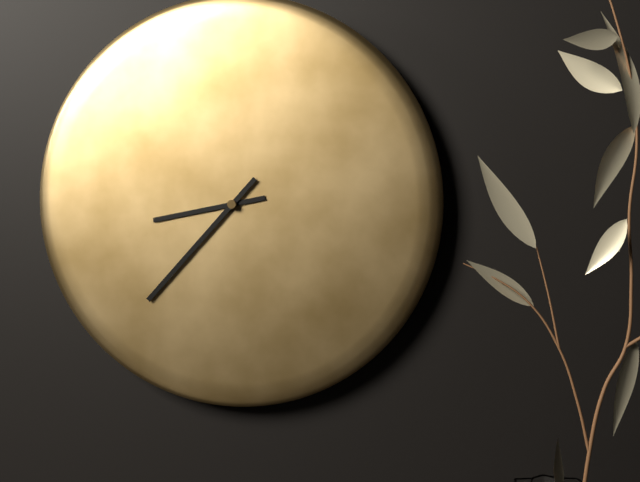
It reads **8:37**
